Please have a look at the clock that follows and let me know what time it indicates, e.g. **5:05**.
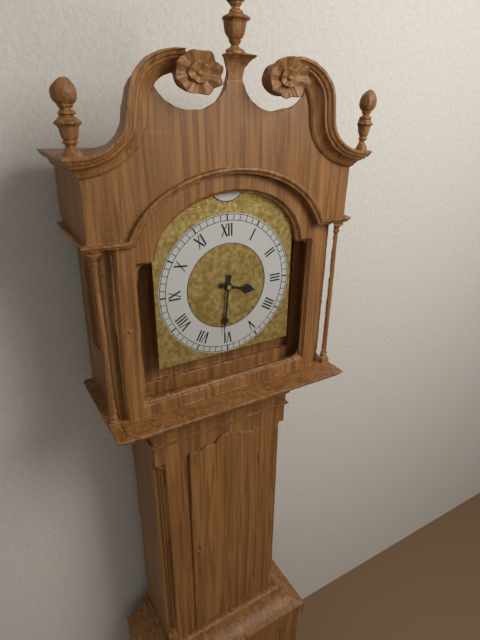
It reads **3:31**
